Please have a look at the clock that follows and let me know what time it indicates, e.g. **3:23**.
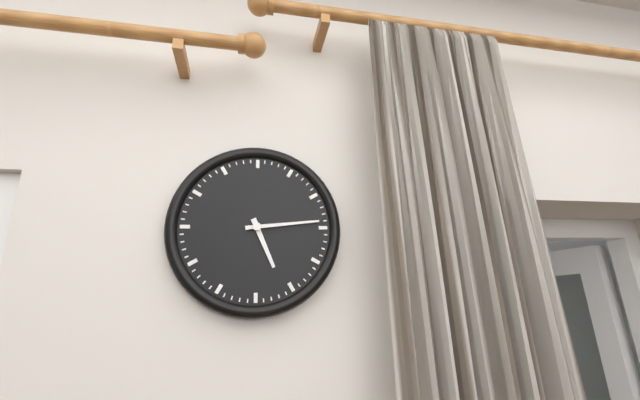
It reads **5:14**
